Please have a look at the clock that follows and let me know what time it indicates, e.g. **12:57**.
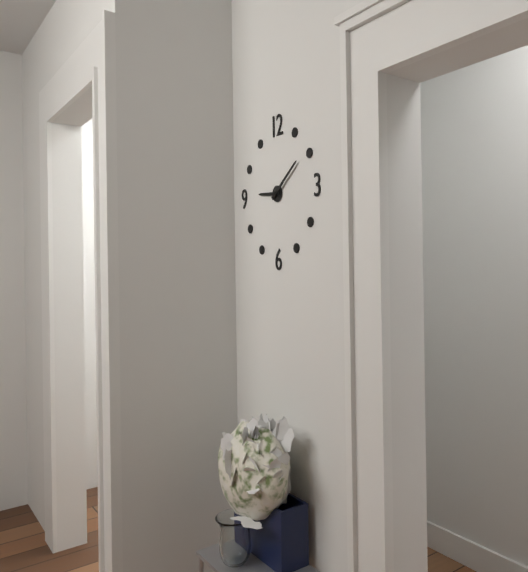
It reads **9:09**
